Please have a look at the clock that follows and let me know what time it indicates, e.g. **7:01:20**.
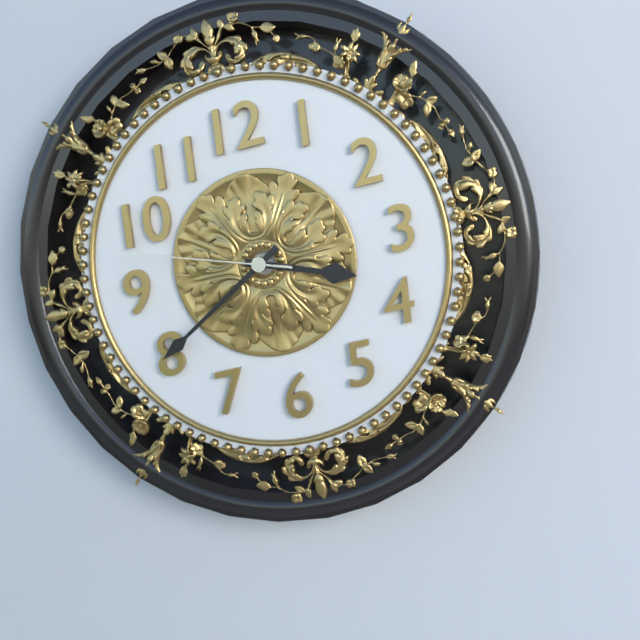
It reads **3:40:48**
